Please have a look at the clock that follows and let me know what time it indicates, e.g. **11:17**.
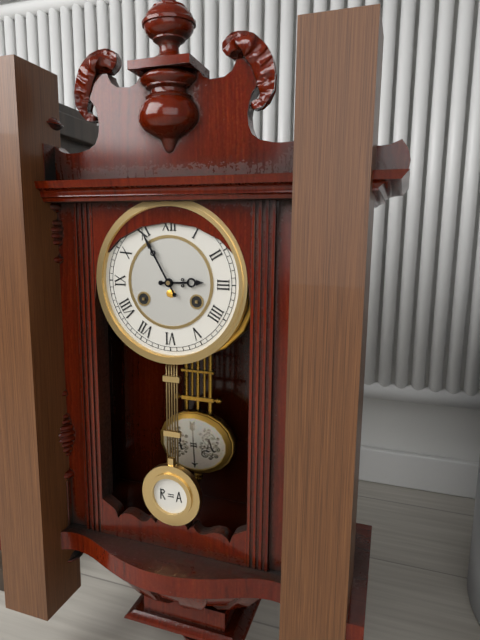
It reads **2:55**
